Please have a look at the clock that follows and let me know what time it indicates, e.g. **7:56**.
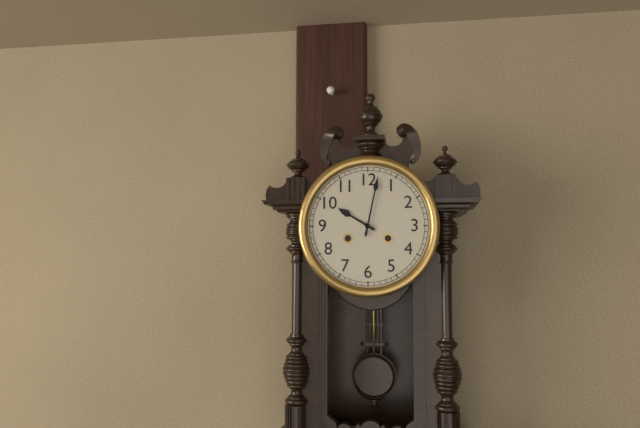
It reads **10:02**
